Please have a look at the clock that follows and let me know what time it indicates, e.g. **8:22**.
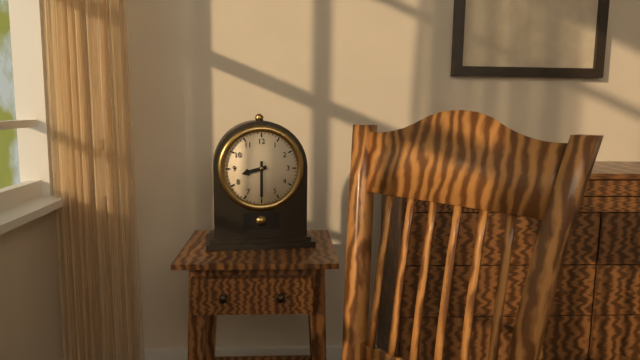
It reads **8:30**
